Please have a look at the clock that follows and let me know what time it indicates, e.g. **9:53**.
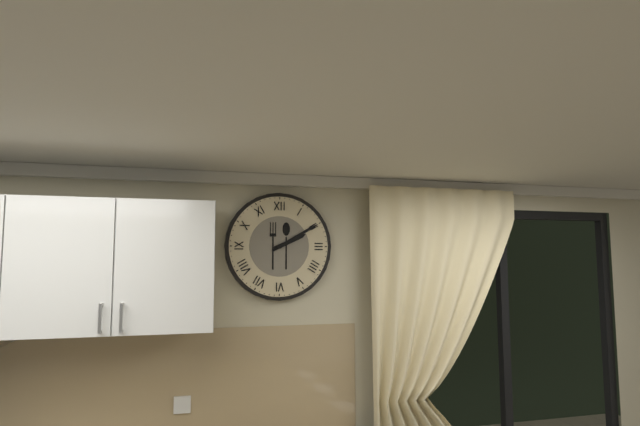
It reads **2:10**
